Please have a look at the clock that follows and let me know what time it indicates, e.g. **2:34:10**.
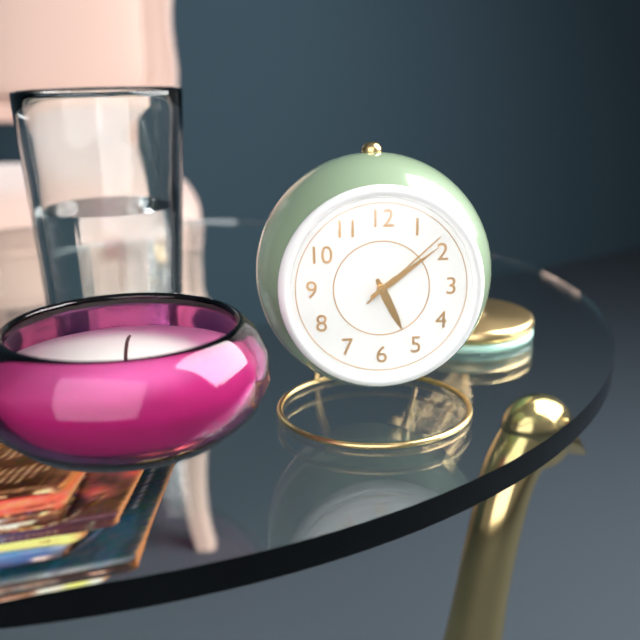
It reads **5:09:08**
